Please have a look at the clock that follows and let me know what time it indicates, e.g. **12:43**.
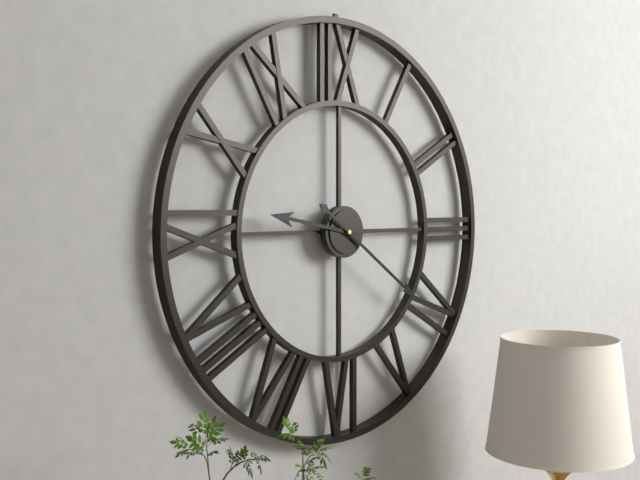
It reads **9:21**
